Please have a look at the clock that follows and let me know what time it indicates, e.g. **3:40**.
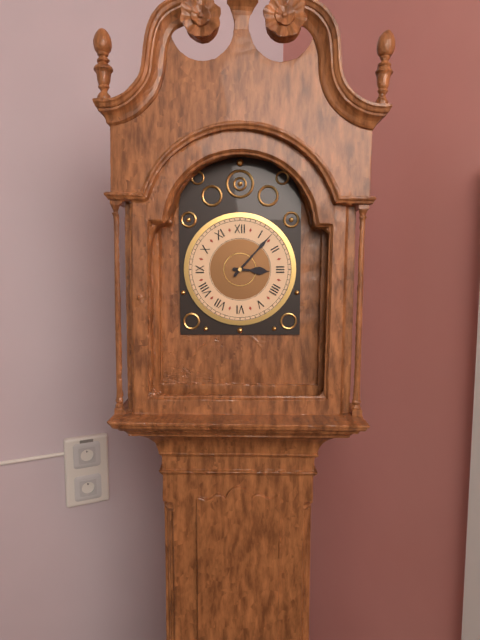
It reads **3:07**
